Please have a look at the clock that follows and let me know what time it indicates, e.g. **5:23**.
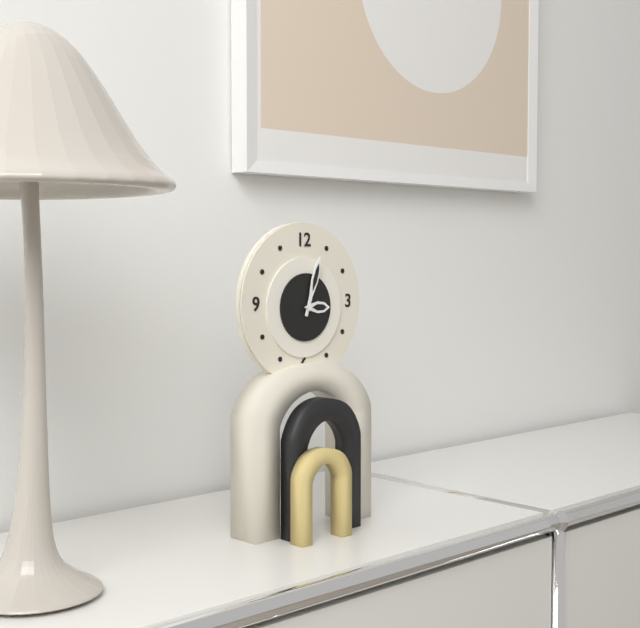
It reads **3:03**
